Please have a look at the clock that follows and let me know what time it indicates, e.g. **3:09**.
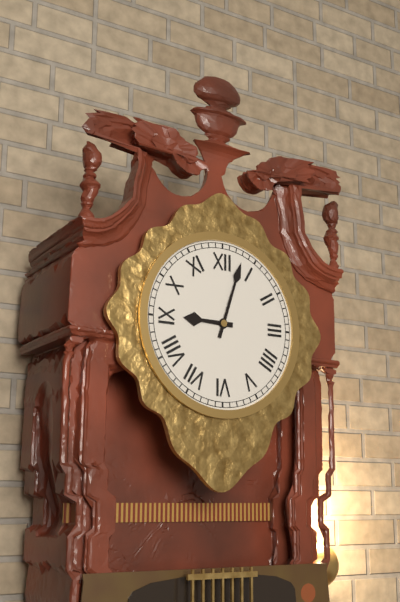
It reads **9:03**
